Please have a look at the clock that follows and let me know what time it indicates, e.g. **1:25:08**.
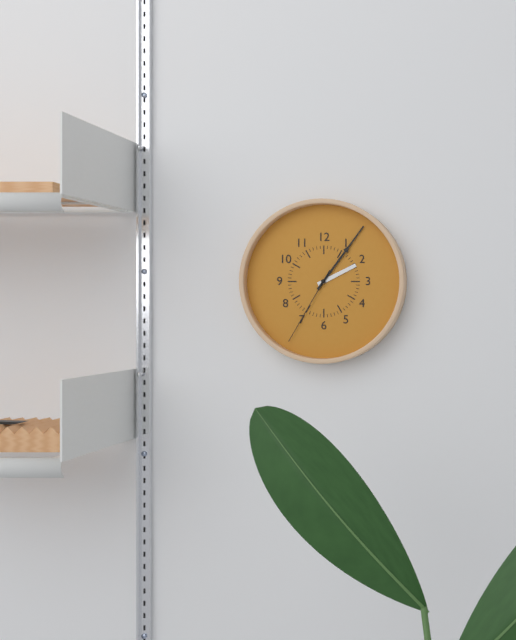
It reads **2:06:35**
